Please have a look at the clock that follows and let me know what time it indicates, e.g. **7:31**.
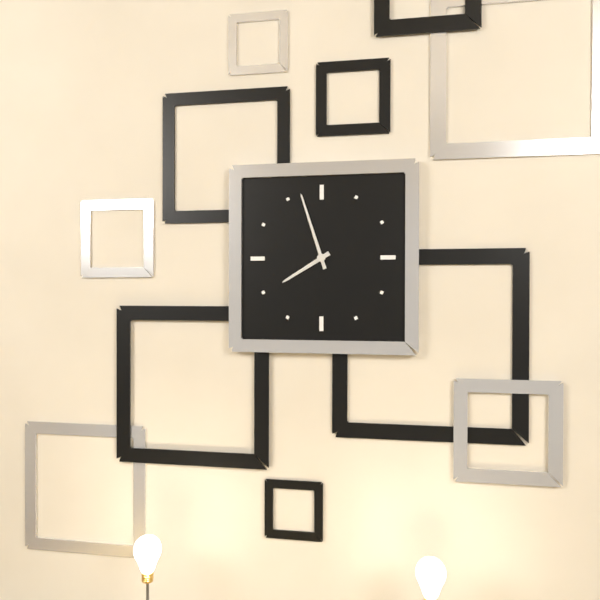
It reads **7:57**
